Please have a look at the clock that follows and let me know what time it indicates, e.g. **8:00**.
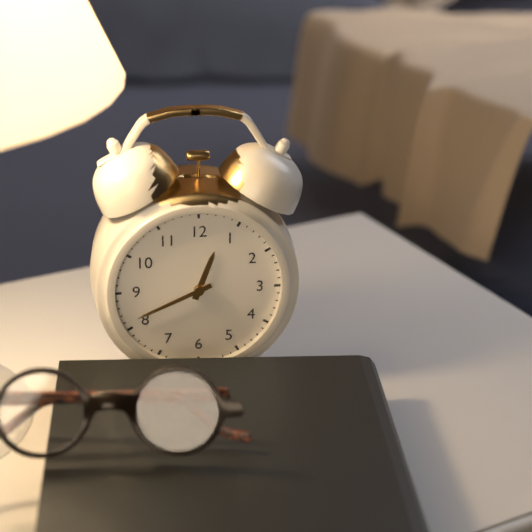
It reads **12:41**
